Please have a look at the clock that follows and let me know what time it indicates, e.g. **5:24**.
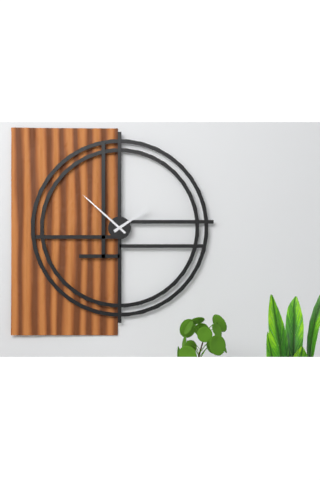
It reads **1:52**
